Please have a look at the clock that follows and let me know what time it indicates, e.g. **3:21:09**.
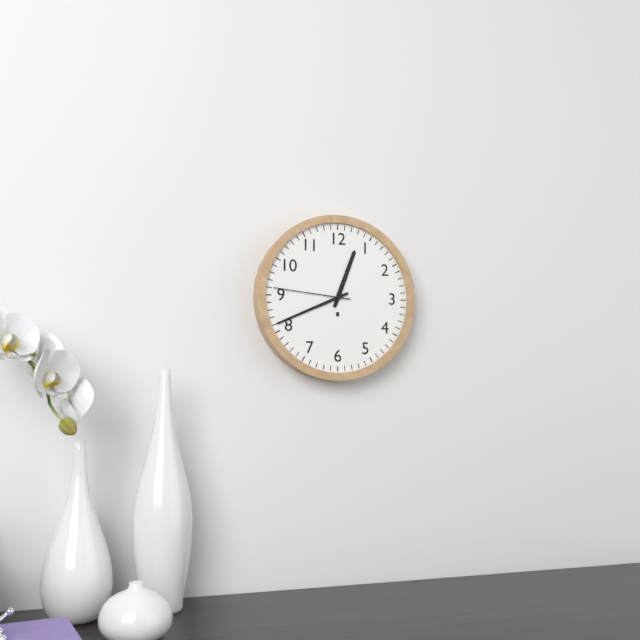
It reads **12:41:46**
